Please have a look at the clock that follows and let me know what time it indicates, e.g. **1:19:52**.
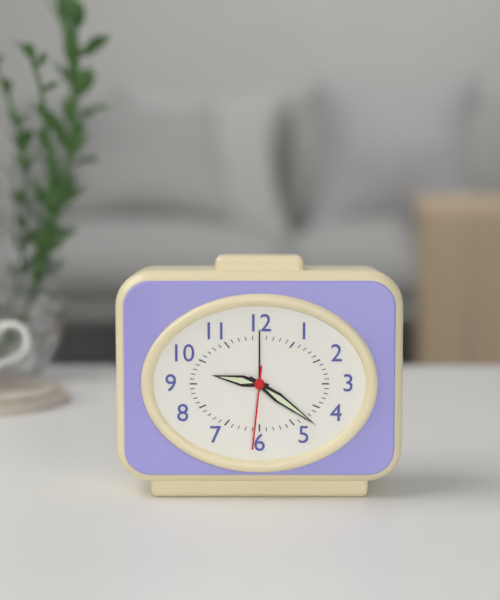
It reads **9:21:31**
